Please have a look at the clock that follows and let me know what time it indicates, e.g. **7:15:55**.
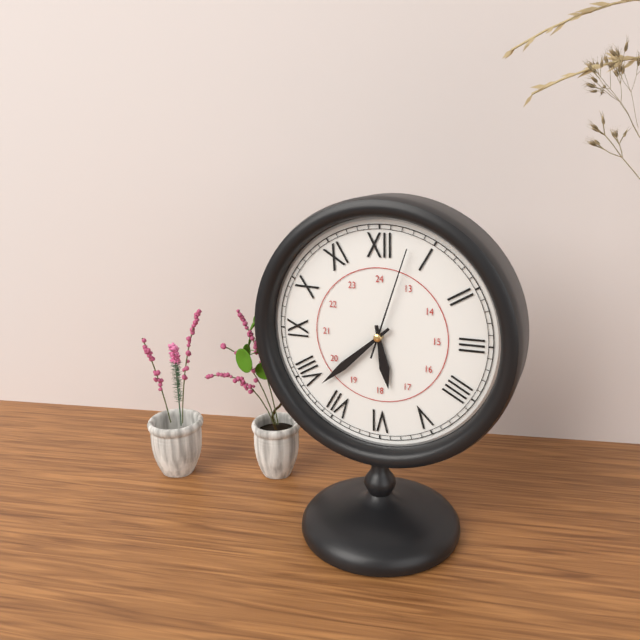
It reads **5:38:03**
